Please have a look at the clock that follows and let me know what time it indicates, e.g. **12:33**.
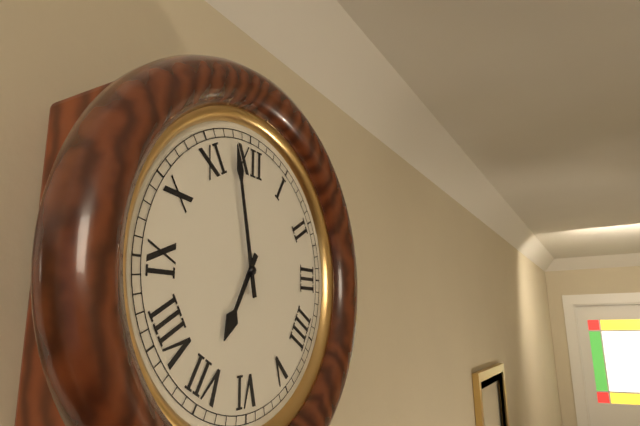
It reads **6:58**
